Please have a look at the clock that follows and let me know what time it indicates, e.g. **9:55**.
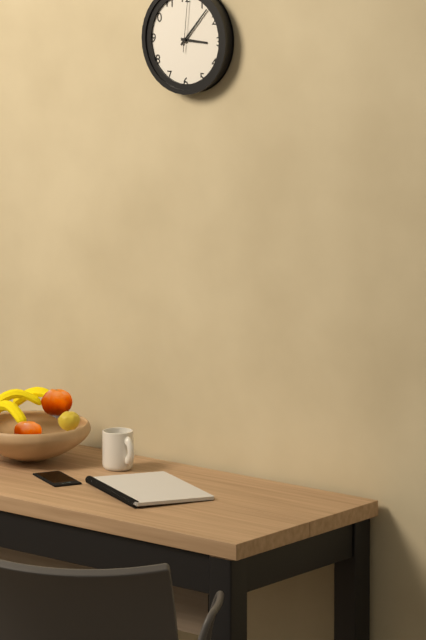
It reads **3:07**
